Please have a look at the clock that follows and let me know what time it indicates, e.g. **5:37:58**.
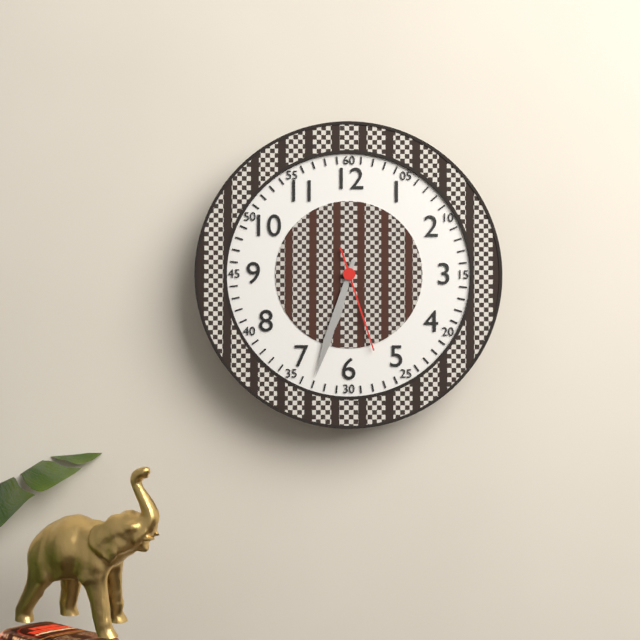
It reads **6:33:27**
